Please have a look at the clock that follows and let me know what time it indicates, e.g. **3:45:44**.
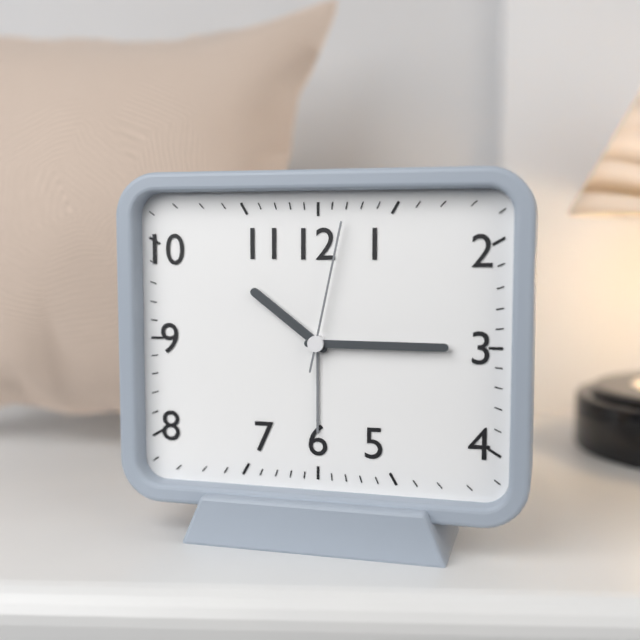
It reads **10:15:02**
